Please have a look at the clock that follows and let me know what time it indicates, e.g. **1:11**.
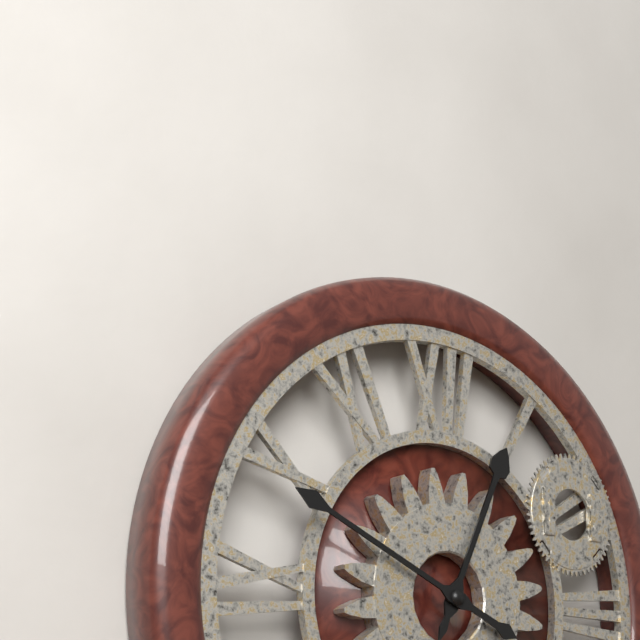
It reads **12:49**
